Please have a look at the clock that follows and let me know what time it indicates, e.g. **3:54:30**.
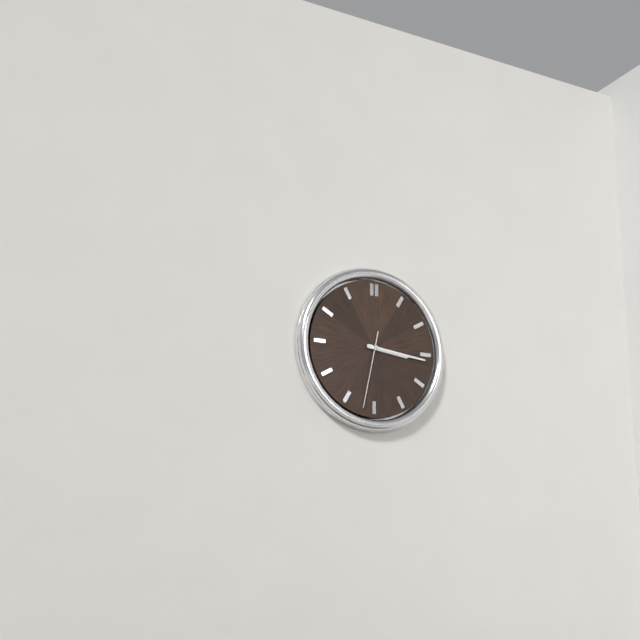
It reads **3:16:32**
